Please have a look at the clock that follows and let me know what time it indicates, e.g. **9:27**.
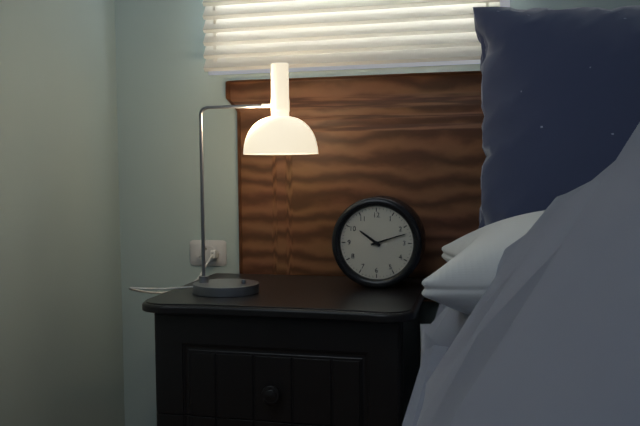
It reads **10:12**
